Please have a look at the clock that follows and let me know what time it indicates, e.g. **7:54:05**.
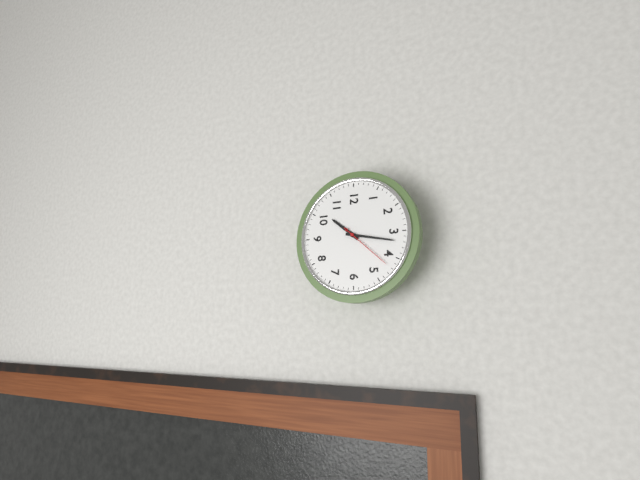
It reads **10:17:22**
